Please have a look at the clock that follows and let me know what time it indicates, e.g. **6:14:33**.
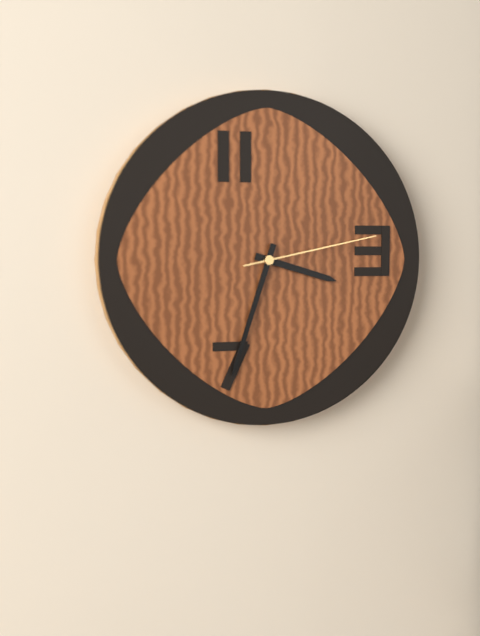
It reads **3:33:13**
